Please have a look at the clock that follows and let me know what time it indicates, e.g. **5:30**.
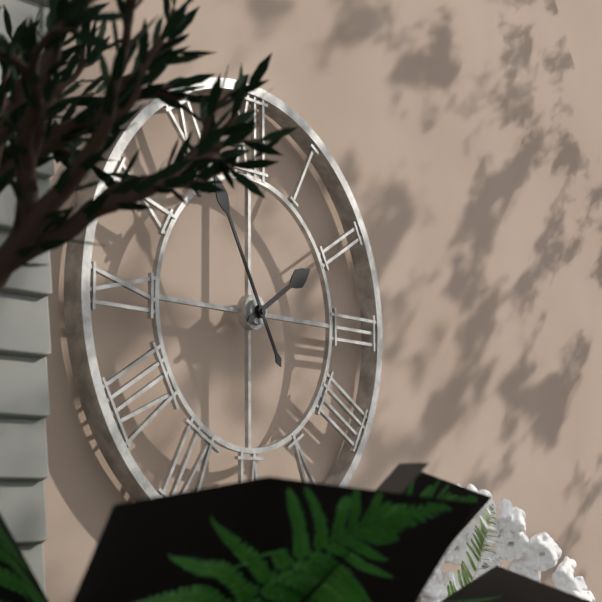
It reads **1:55**
